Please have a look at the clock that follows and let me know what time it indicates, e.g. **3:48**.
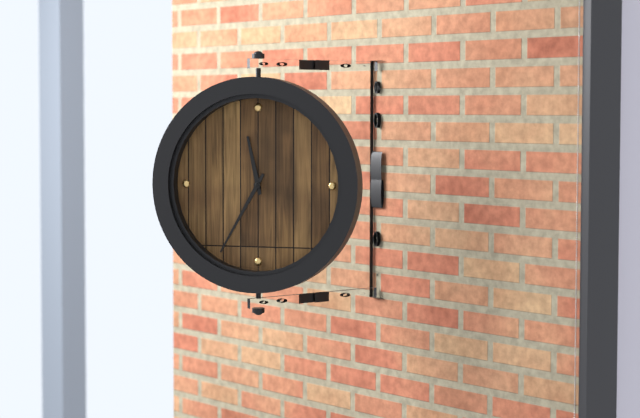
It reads **11:35**
